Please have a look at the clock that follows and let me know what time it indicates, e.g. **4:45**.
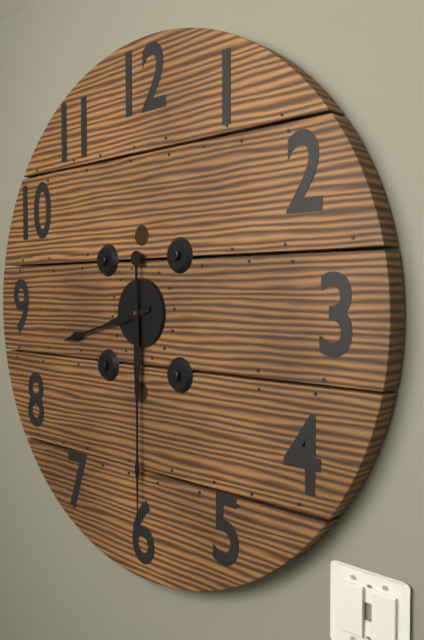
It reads **8:30**
